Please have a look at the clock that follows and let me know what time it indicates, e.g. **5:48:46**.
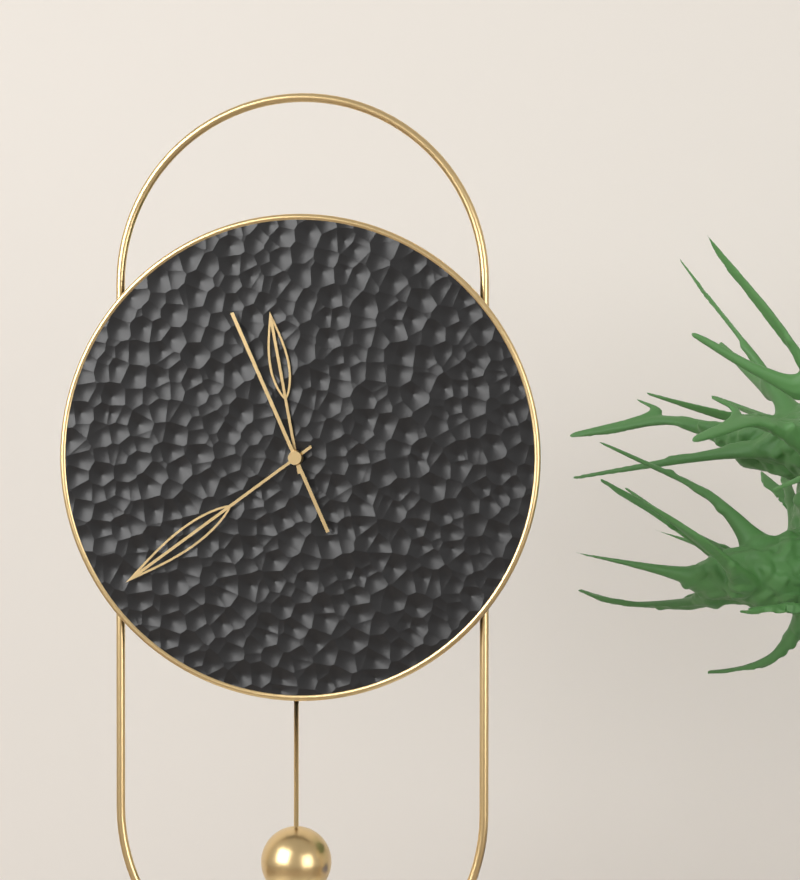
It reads **11:39:56**
